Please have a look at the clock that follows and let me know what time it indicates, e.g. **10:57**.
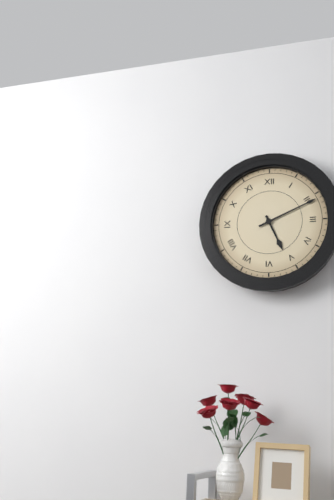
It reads **5:11**
